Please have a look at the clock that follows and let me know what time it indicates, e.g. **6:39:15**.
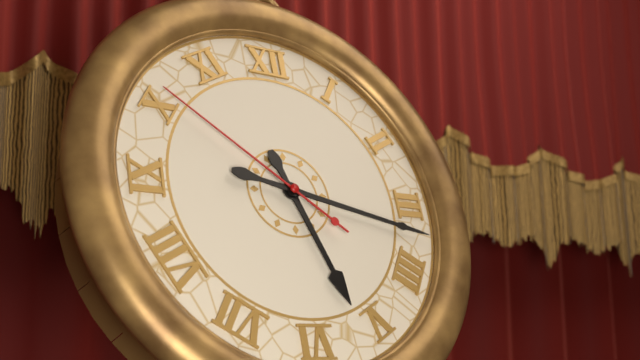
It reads **5:17:51**
